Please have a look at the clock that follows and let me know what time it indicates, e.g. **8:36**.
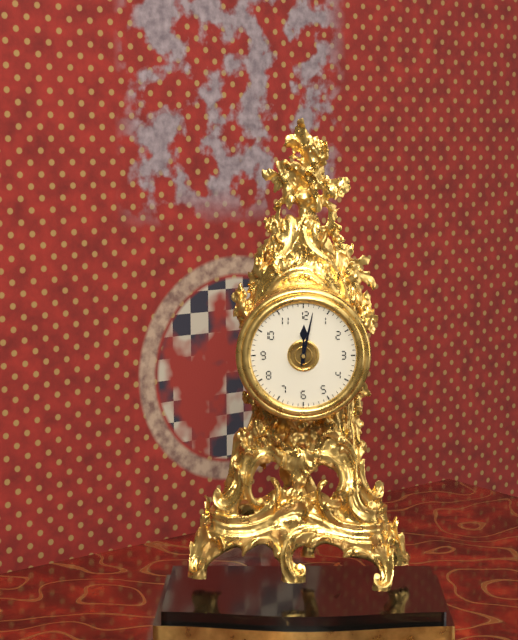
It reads **12:02**
